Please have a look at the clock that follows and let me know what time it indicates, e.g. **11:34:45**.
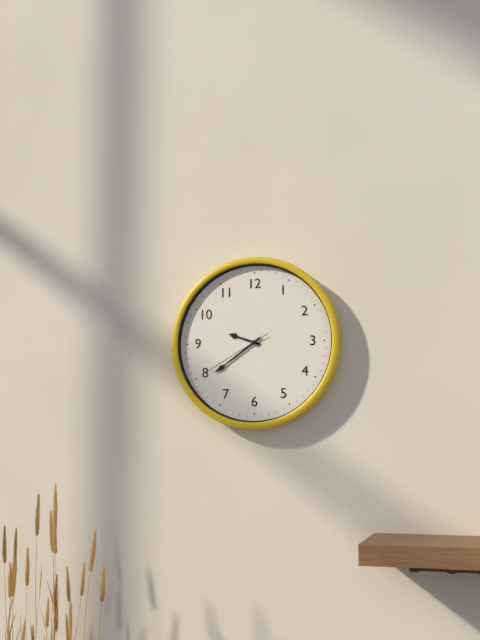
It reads **9:39:40**
